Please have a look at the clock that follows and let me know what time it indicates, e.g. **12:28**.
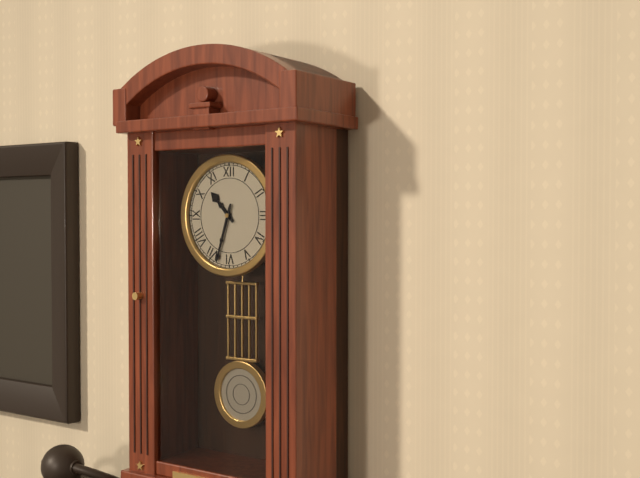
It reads **10:33**
